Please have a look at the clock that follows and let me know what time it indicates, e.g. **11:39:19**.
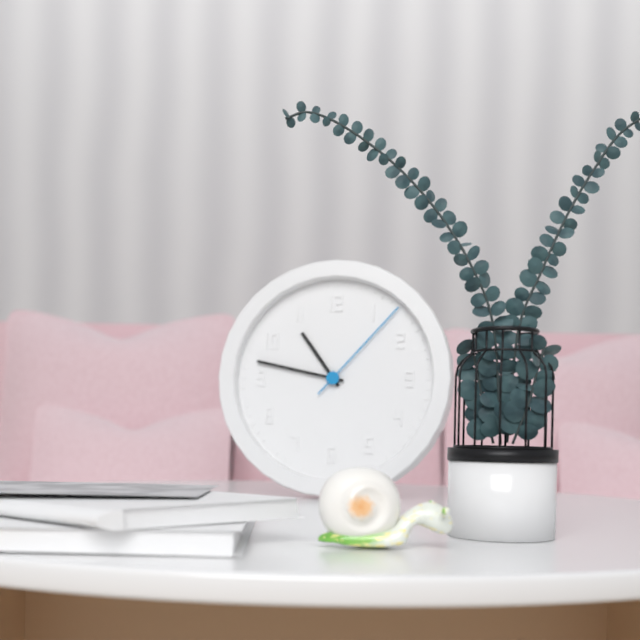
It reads **10:47:07**
